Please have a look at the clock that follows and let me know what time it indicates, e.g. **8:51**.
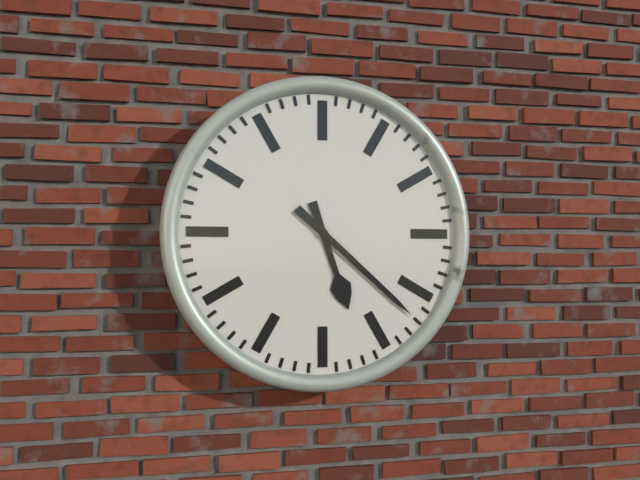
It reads **5:22**
